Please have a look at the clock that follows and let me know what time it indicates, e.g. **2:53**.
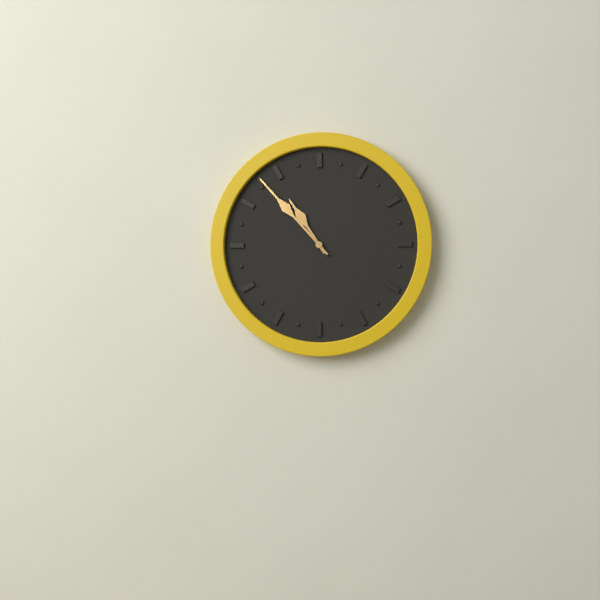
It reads **10:53**
